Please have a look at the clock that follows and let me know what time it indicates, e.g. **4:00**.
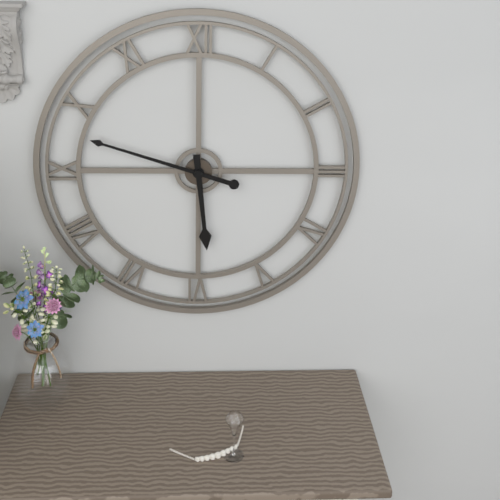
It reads **5:48**
